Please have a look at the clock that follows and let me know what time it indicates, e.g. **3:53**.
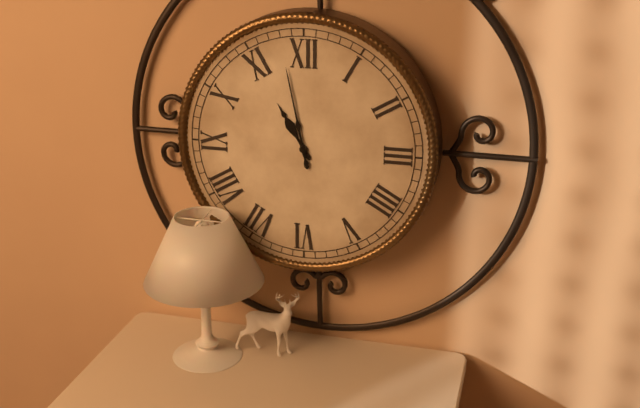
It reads **10:58**
